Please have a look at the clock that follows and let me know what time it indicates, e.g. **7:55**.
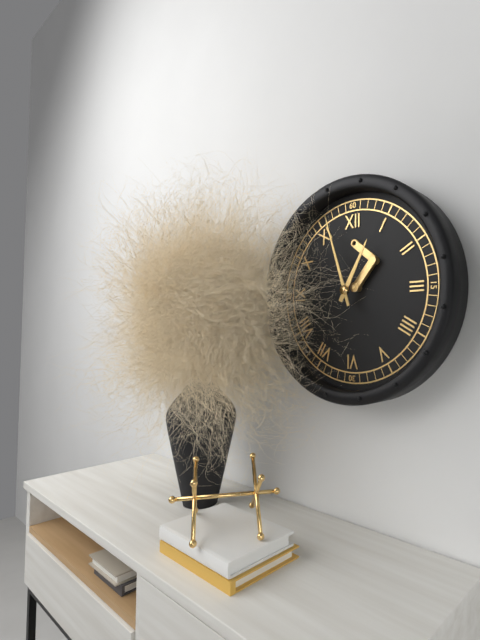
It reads **12:57**
